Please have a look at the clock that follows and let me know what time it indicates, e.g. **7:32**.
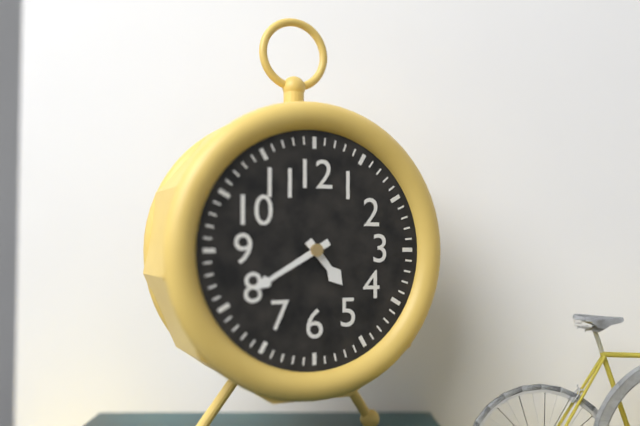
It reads **4:40**
